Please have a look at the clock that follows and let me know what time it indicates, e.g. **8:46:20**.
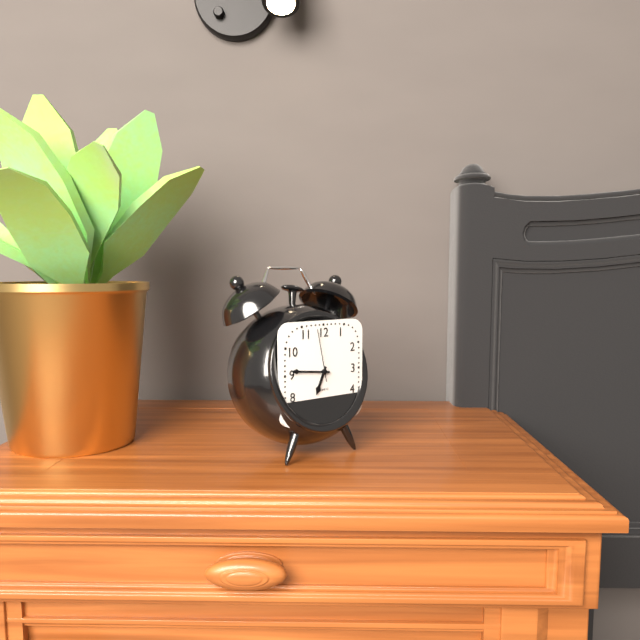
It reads **6:46:58**
